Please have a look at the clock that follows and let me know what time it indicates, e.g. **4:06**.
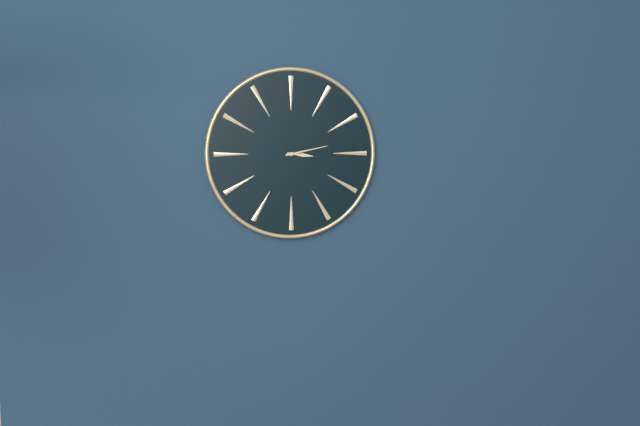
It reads **3:13**
